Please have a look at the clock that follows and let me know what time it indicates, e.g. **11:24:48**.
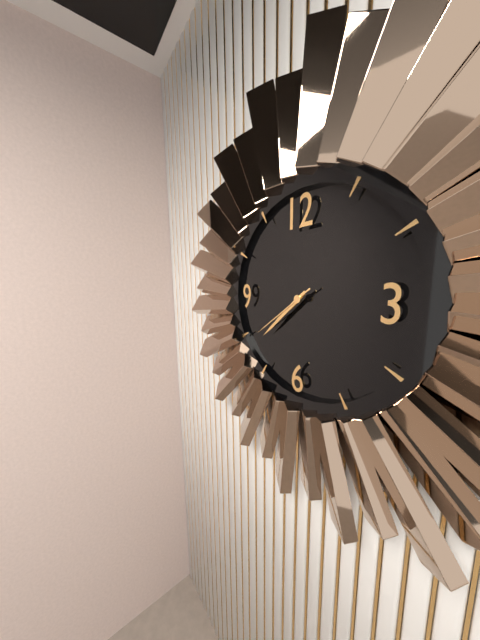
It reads **7:38:39**
